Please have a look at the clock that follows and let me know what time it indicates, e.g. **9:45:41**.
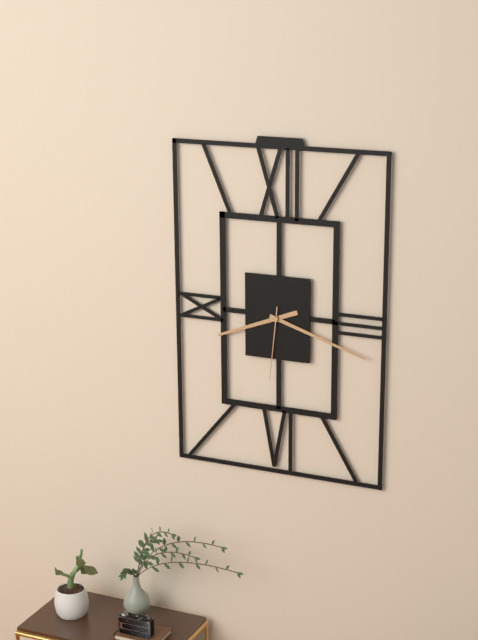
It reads **8:18:31**
